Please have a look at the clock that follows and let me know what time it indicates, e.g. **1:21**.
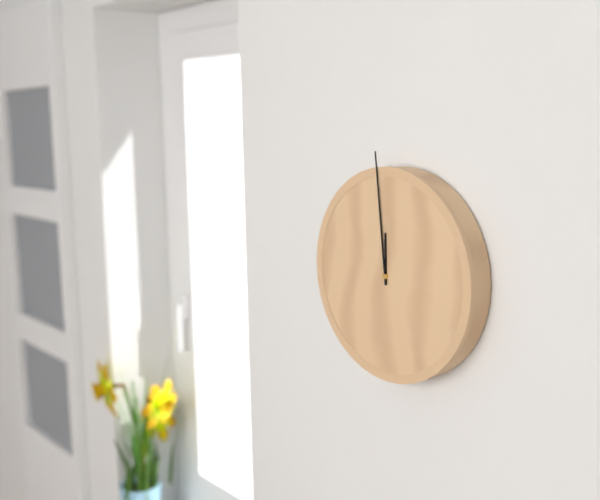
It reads **11:59**
